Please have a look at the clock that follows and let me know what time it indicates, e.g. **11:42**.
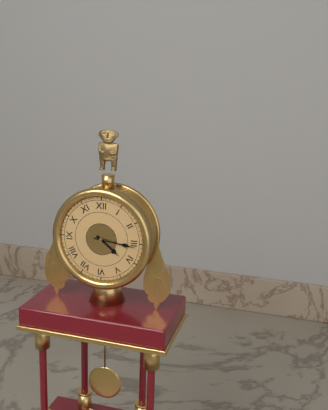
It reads **4:16**
